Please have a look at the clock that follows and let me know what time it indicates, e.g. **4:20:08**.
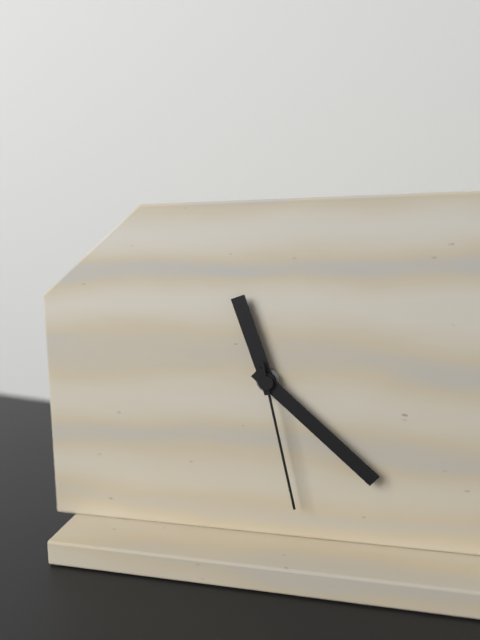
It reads **11:22:28**
